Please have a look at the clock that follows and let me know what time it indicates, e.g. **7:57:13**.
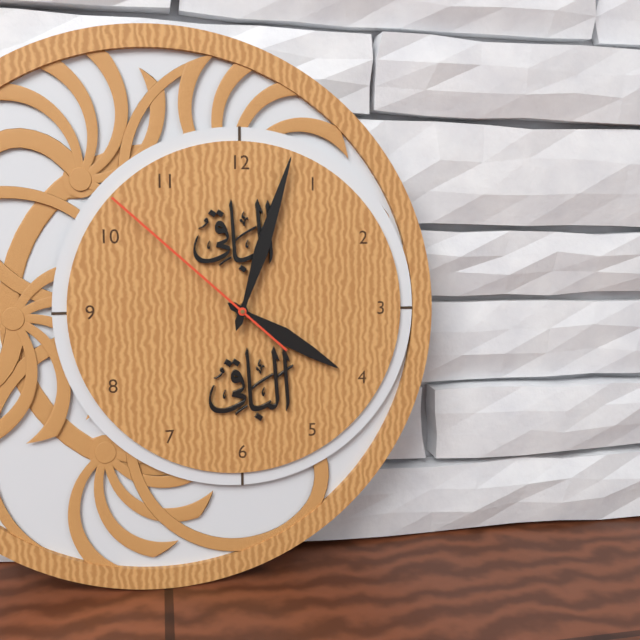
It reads **4:03:52**
